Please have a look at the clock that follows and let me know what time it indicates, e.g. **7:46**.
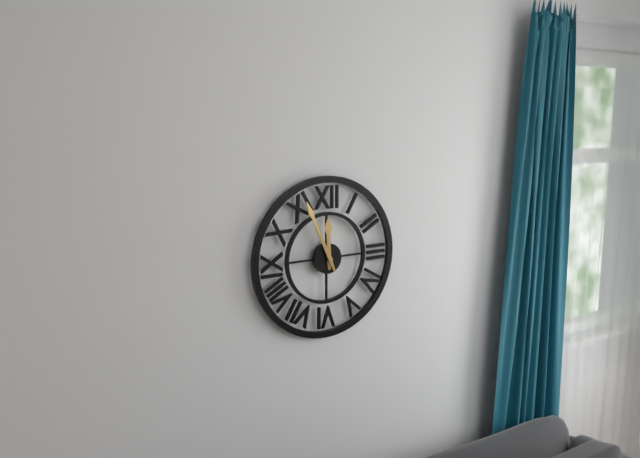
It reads **11:56**
